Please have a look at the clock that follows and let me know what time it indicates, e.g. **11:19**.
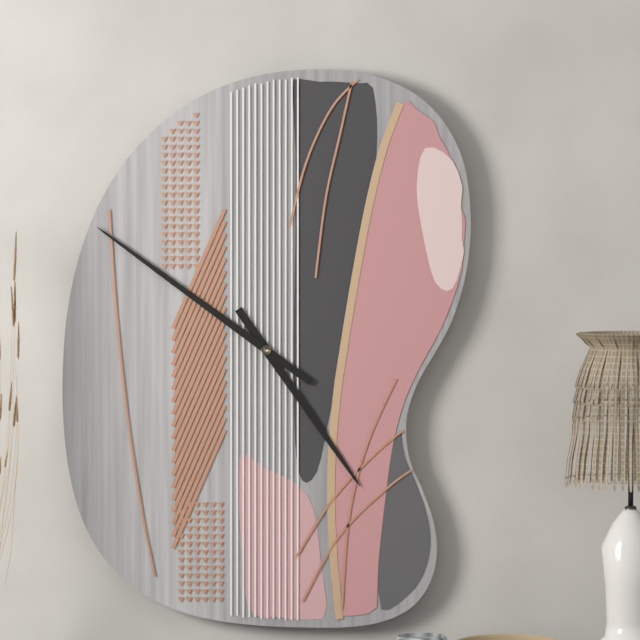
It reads **4:51**
